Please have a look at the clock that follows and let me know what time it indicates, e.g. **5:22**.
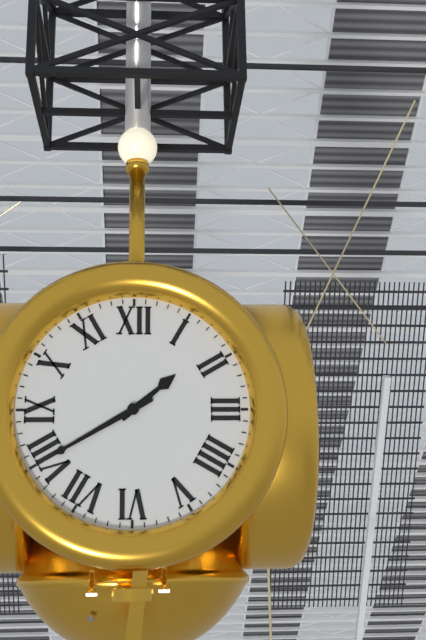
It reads **1:40**
